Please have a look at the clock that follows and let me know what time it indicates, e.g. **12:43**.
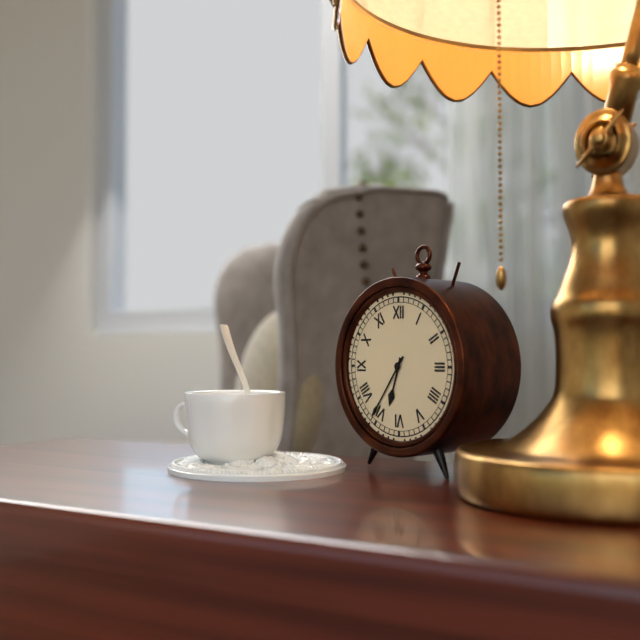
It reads **6:36**
